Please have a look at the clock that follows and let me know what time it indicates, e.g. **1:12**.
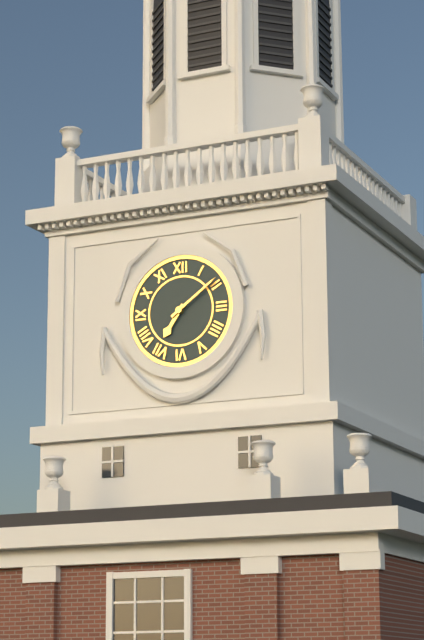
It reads **7:09**
